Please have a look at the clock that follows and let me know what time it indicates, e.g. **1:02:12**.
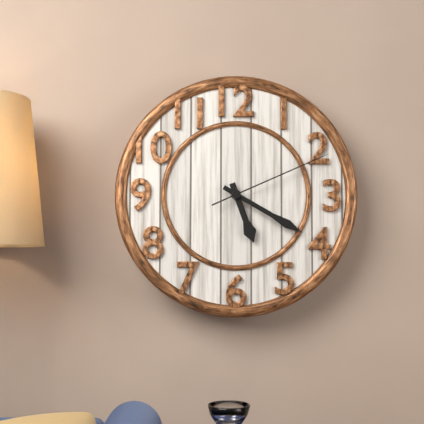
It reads **5:20:11**
